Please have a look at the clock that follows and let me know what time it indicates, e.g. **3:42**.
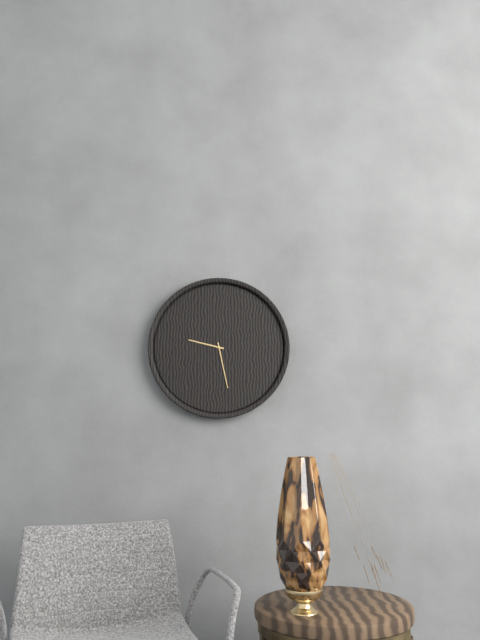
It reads **9:28**
